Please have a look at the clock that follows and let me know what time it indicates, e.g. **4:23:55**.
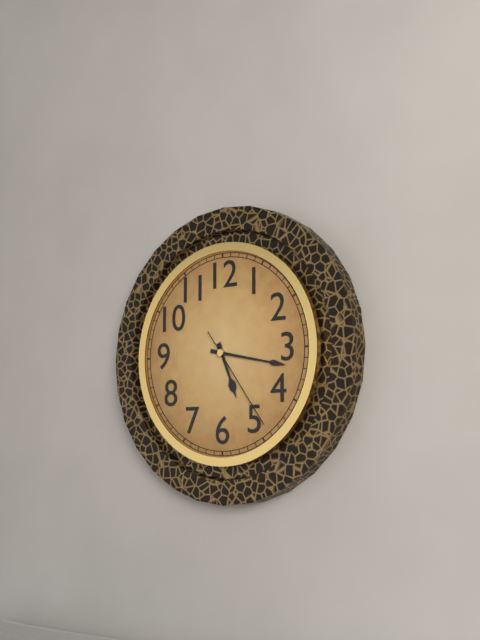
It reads **5:17:24**
